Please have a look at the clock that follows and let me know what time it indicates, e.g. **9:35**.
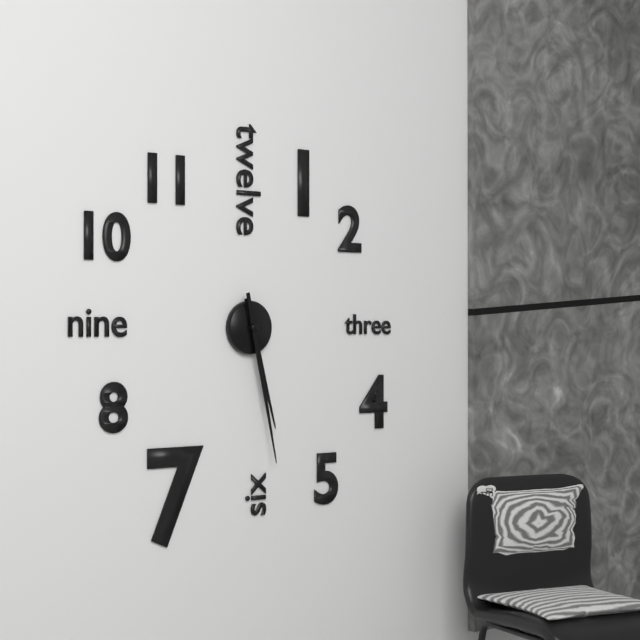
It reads **5:28**
